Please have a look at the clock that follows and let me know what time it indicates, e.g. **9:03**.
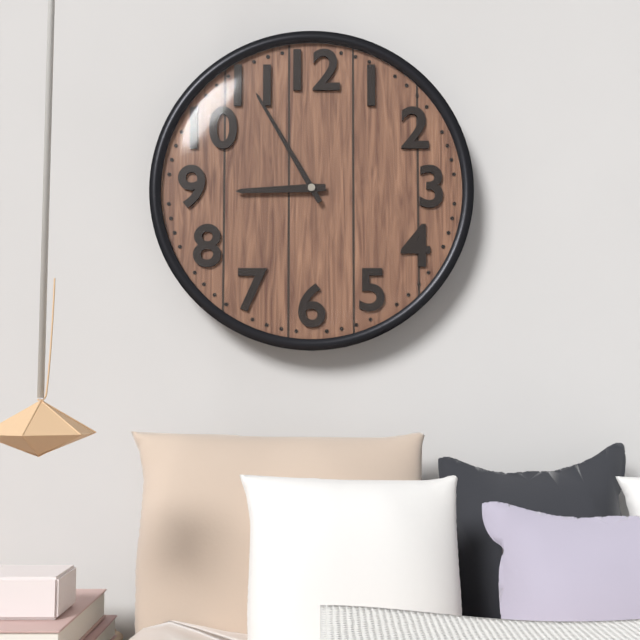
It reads **8:55**
